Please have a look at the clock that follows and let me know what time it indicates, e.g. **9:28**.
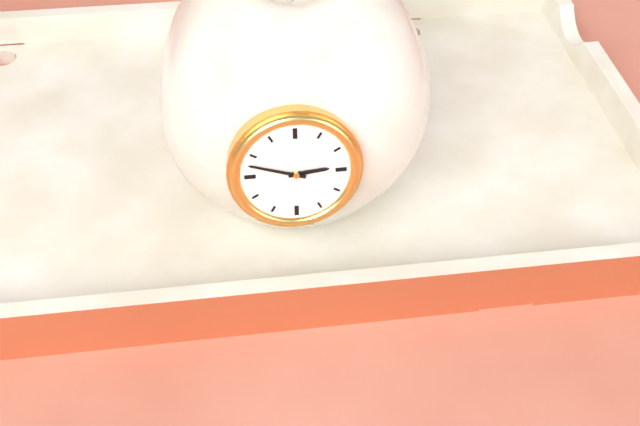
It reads **2:48**
